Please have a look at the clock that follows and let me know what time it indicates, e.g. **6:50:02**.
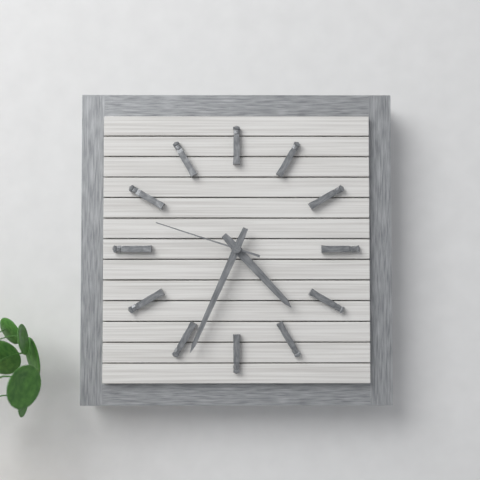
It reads **4:34:48**
